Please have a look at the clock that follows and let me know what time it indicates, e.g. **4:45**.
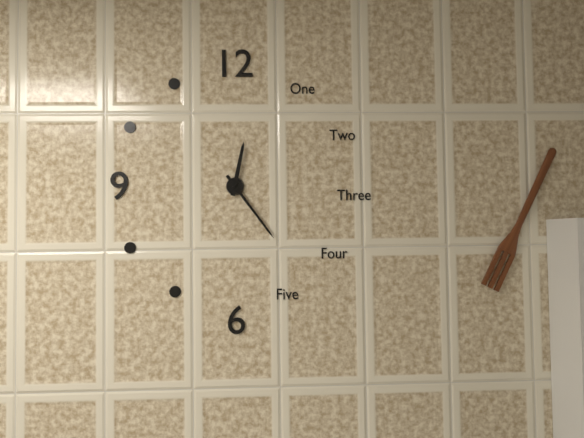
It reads **12:24**
